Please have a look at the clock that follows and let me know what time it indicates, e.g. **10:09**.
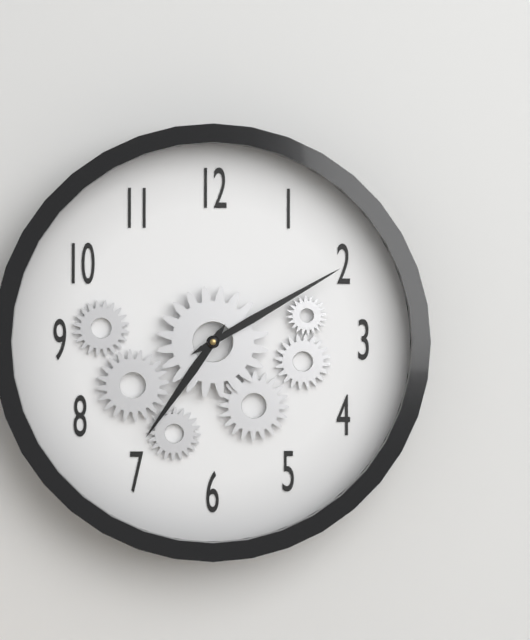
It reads **7:10**
